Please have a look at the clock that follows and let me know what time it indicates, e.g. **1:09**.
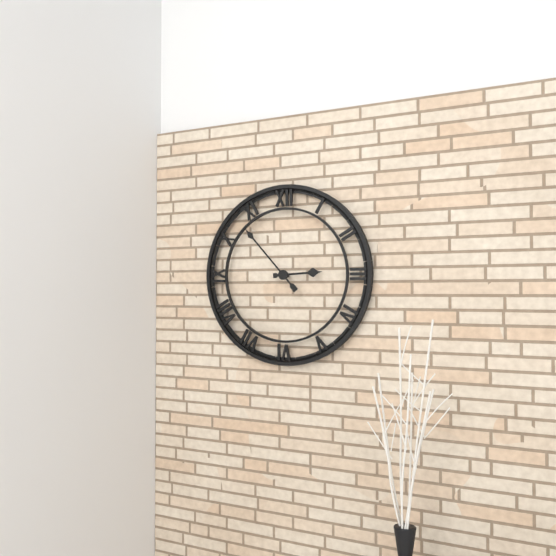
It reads **2:53**
